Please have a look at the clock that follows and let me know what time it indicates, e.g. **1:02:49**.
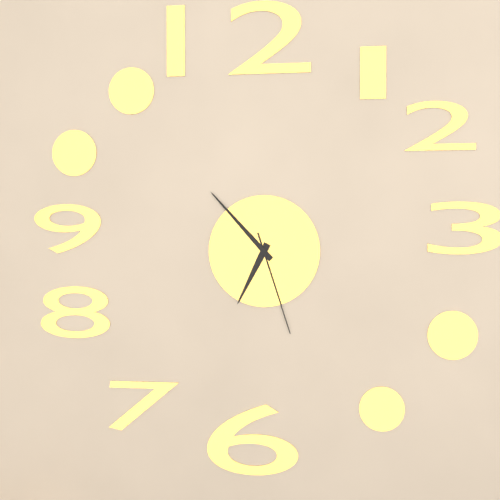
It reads **6:53:27**
